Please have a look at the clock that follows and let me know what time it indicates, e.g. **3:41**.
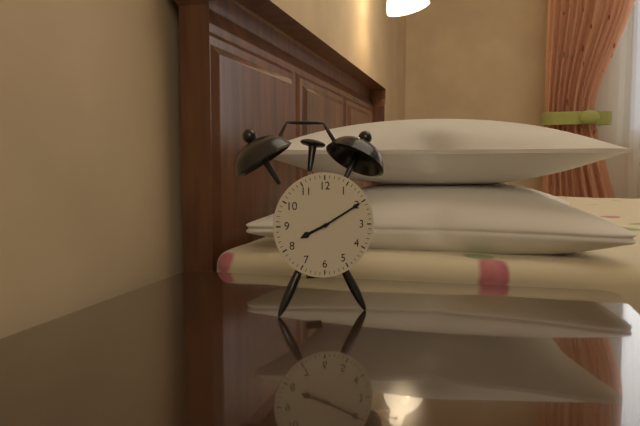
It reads **8:10**
